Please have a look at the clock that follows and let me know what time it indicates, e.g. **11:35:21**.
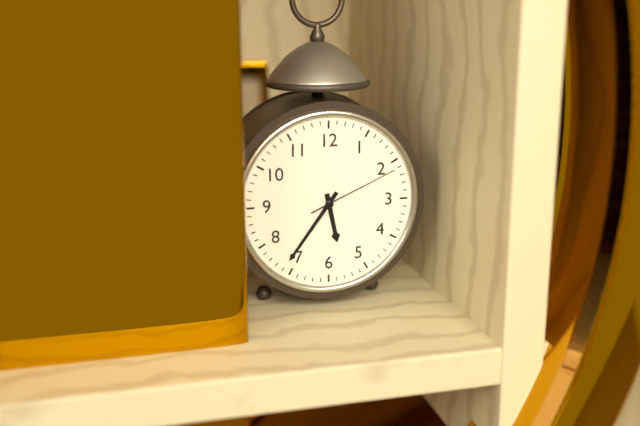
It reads **5:36:11**
